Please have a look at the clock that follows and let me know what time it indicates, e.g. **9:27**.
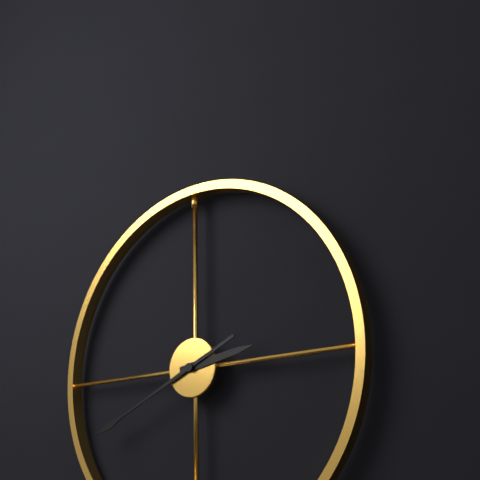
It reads **2:41**
